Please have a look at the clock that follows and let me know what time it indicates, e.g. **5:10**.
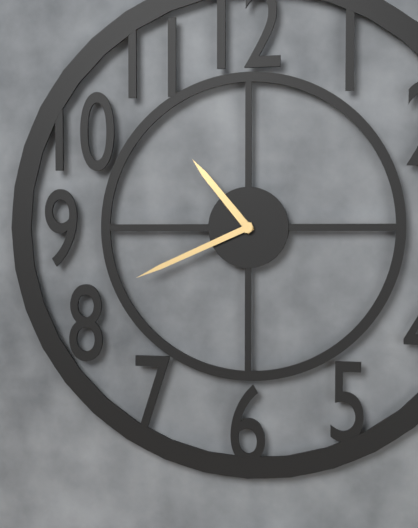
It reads **10:41**
